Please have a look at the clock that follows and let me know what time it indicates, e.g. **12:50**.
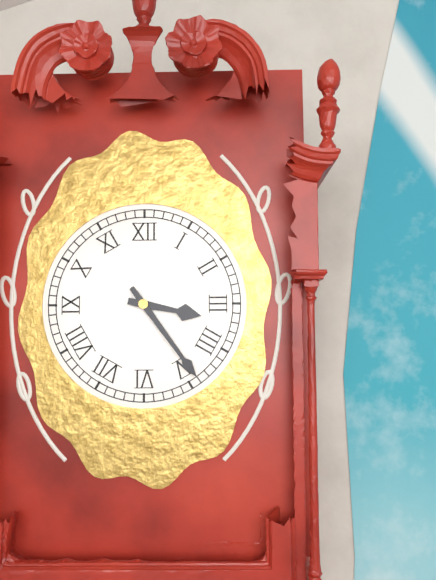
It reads **3:24**
